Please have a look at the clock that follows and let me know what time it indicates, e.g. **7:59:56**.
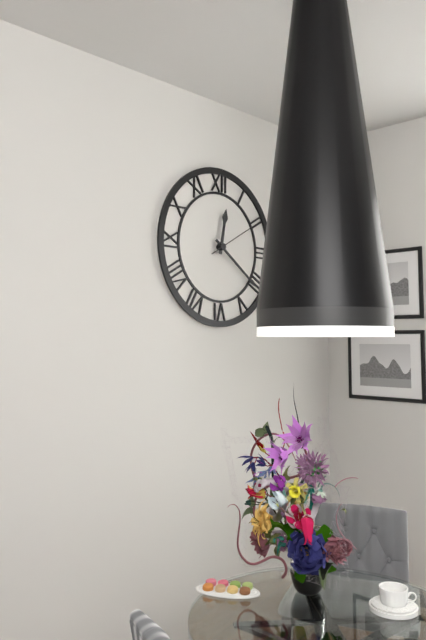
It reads **12:21:10**
